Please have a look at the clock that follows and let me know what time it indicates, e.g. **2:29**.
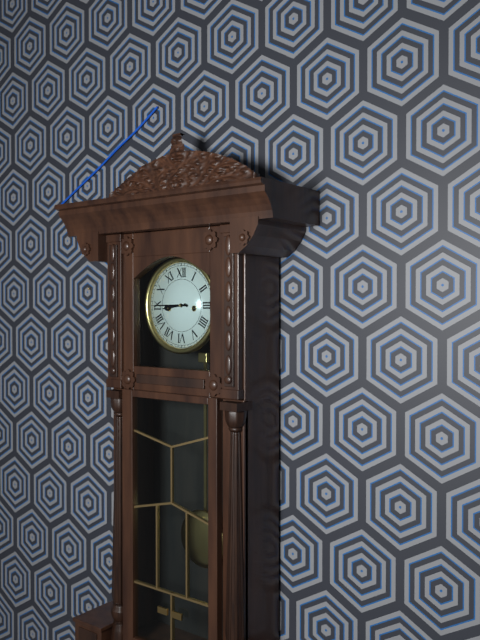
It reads **8:45**
